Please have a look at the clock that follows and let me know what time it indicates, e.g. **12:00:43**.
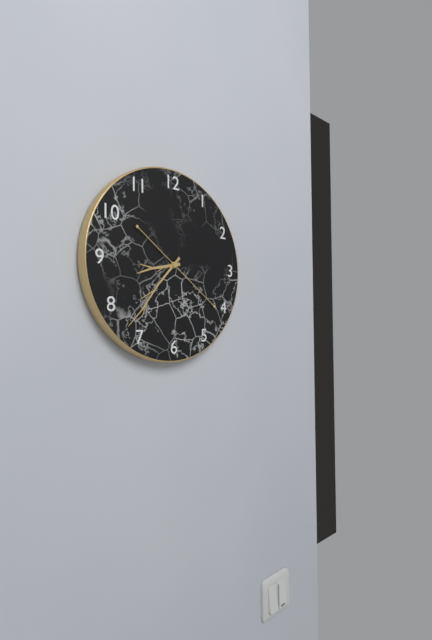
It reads **8:37:21**
